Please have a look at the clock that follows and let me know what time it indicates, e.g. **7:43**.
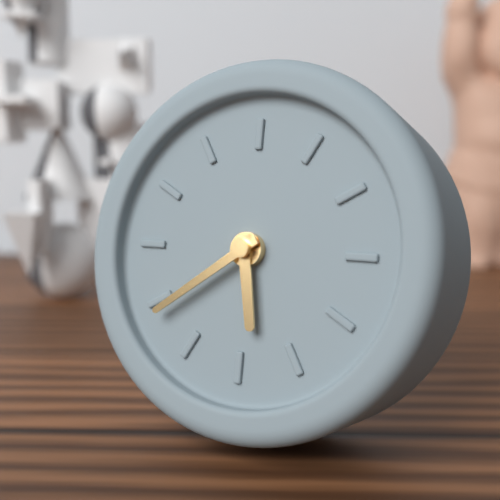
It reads **5:39**
